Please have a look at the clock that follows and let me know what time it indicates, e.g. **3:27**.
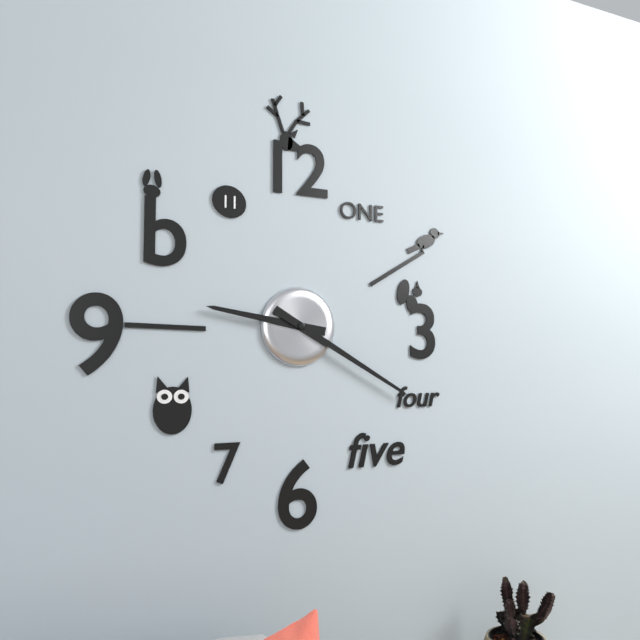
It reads **9:20**
